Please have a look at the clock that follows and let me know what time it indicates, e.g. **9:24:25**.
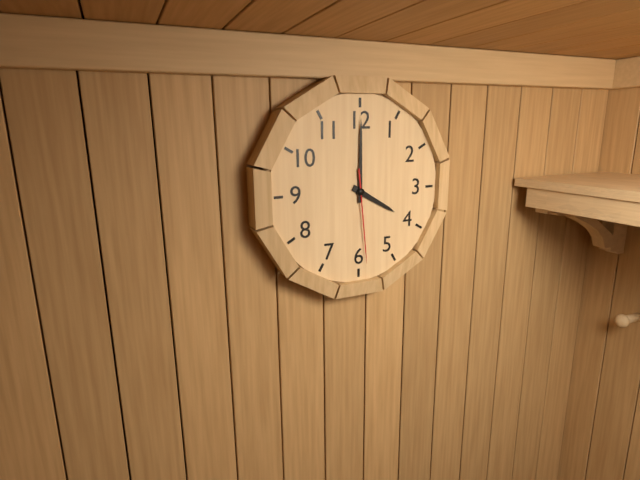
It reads **4:00:29**
